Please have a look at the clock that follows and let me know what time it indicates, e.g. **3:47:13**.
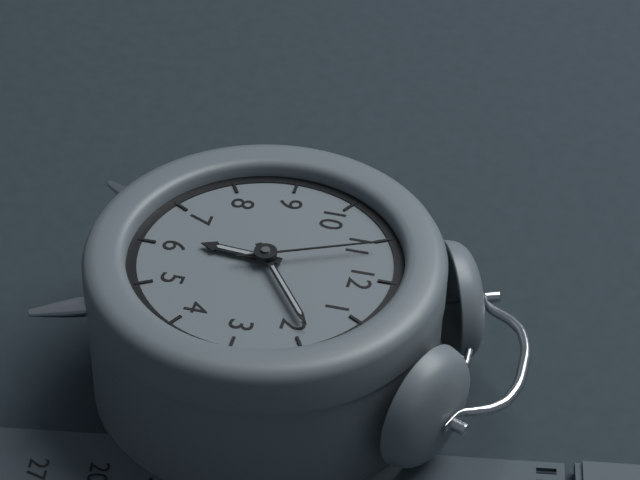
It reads **6:09:56**
